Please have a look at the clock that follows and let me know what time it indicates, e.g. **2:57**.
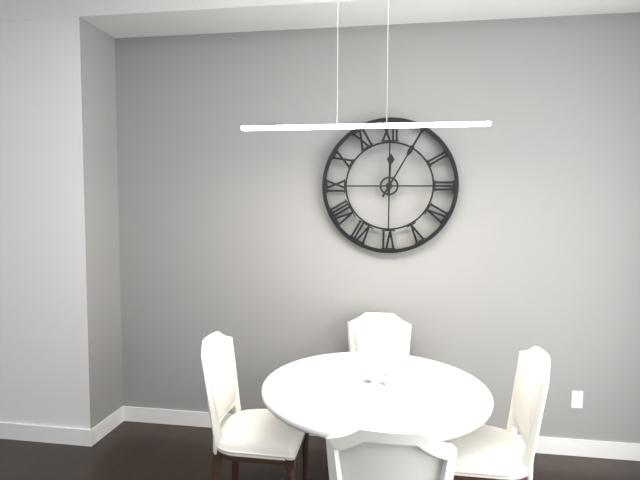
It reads **12:05**
